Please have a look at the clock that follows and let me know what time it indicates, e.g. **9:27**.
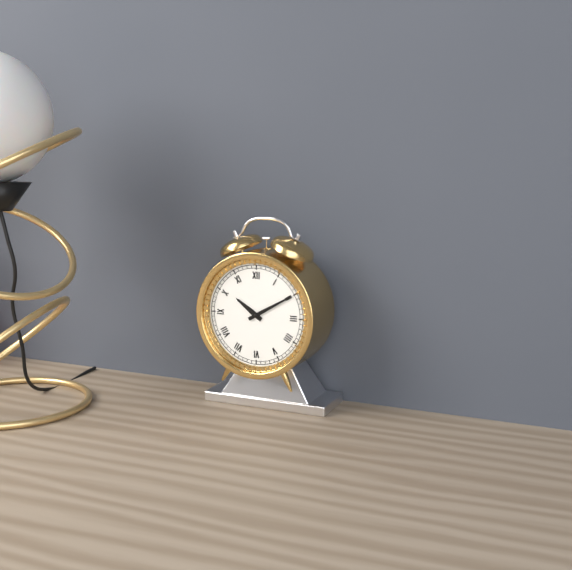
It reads **10:10**
